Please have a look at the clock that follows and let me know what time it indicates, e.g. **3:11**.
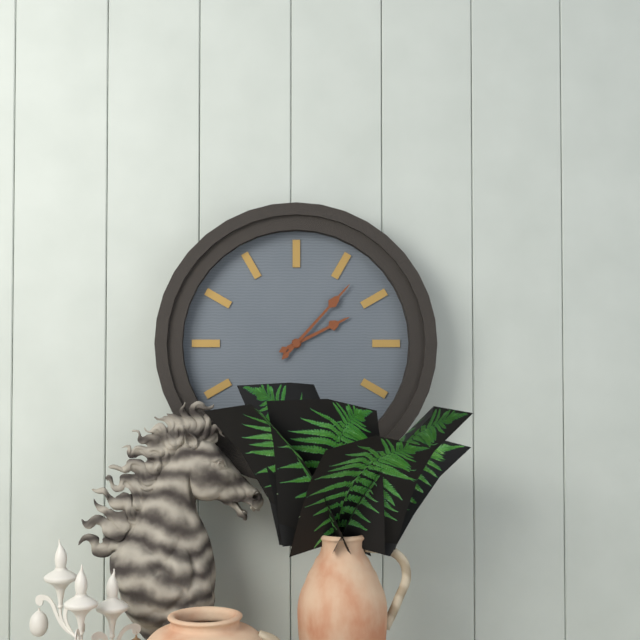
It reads **2:07**
